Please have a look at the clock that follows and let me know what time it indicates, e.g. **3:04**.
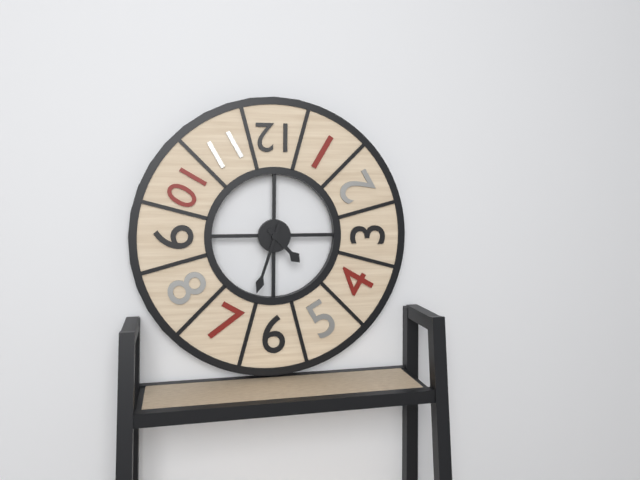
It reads **4:33**
